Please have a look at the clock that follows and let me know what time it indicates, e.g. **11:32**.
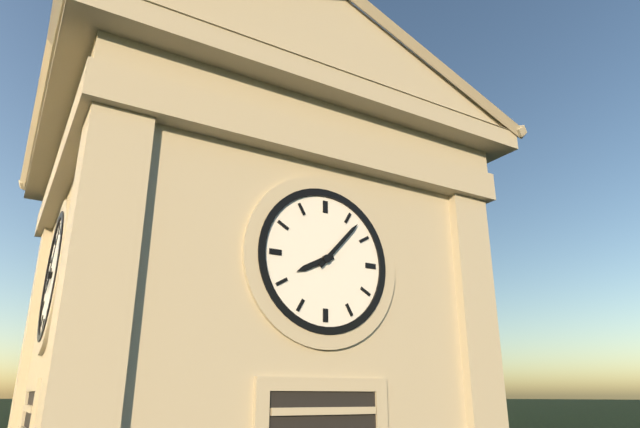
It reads **8:07**
